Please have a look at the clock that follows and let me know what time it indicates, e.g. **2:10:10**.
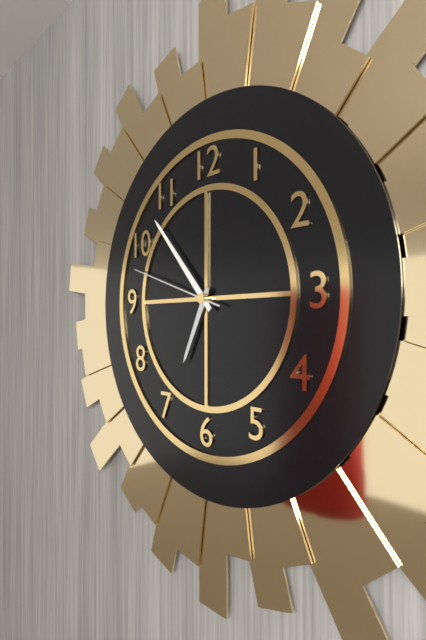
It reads **6:53:48**
